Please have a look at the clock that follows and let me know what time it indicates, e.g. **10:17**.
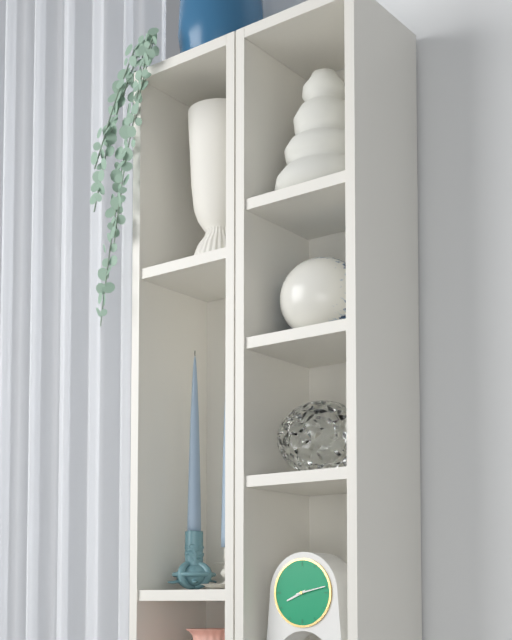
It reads **8:13**
